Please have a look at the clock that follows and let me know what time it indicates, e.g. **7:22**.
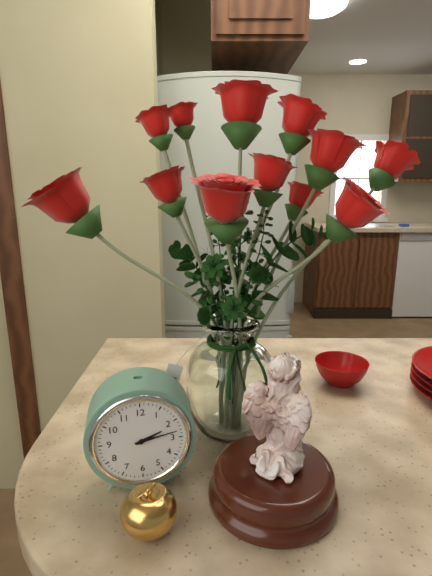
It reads **2:13**
